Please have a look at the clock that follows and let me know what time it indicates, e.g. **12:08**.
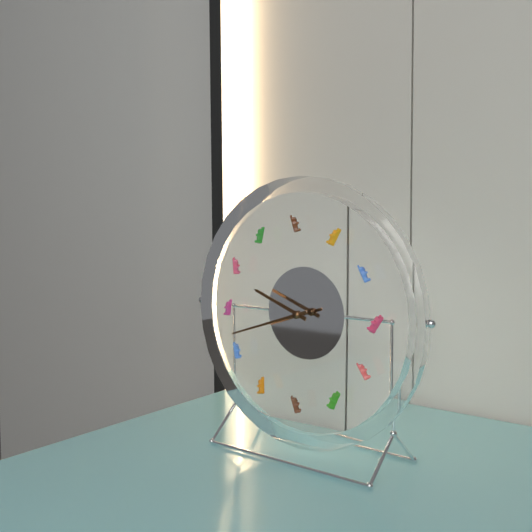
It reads **9:42**
